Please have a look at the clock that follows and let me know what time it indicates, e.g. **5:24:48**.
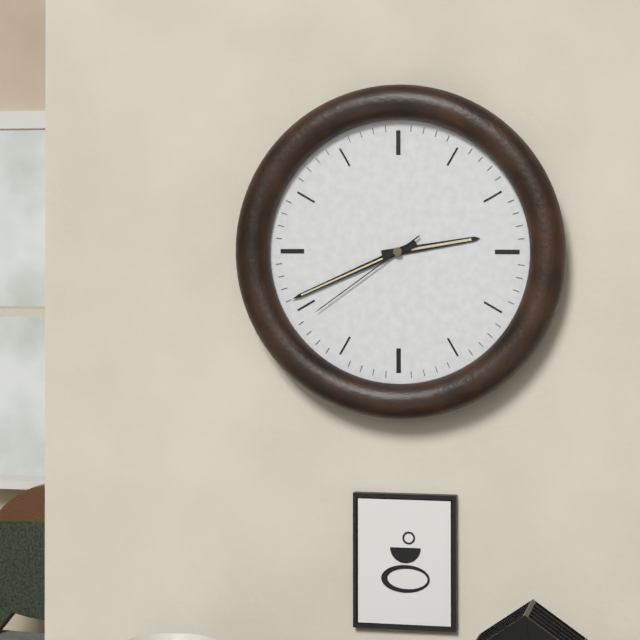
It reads **2:41:39**
